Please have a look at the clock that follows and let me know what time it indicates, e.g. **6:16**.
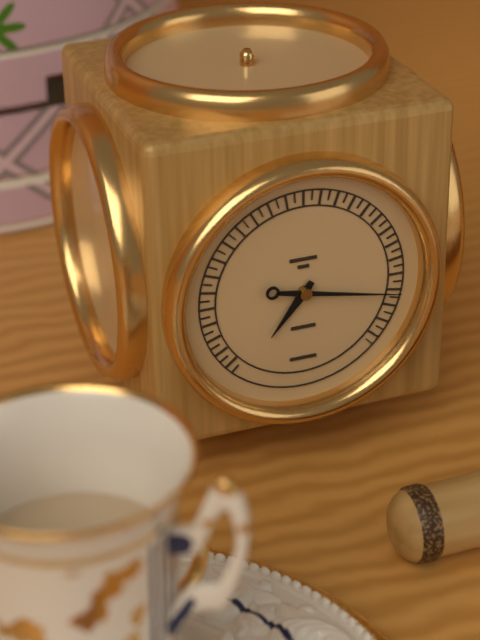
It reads **7:17**
